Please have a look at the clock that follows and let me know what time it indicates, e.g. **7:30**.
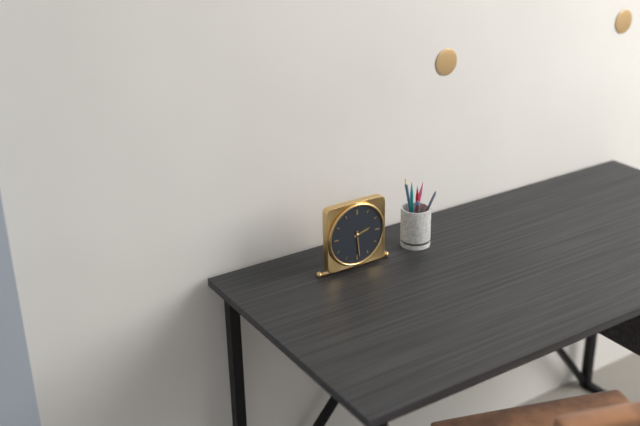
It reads **2:29**
